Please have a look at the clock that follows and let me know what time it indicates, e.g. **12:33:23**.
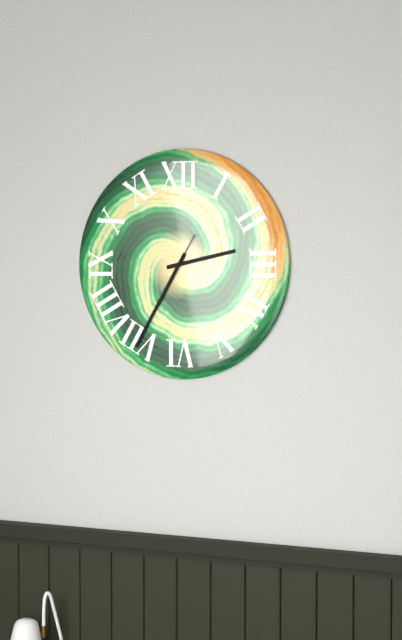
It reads **2:35:35**
